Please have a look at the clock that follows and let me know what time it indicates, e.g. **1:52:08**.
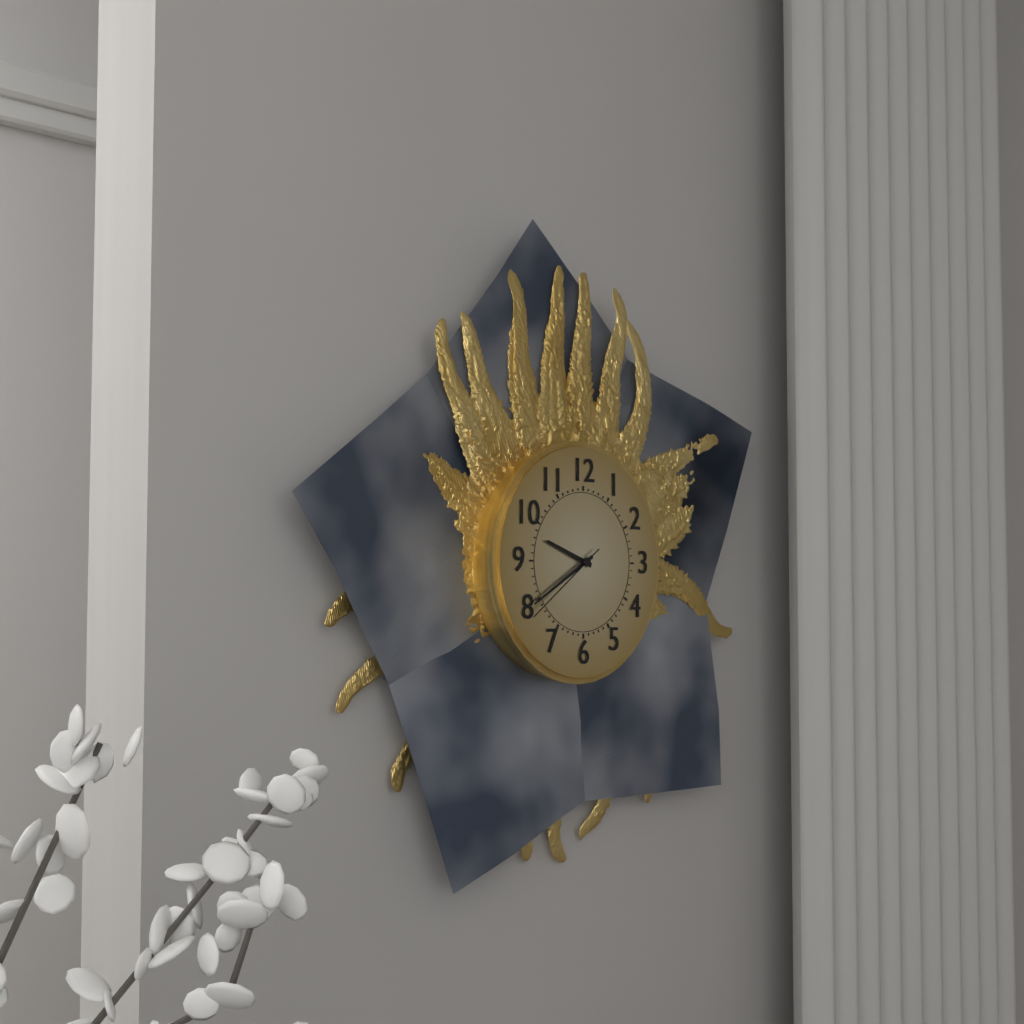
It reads **9:40:39**
